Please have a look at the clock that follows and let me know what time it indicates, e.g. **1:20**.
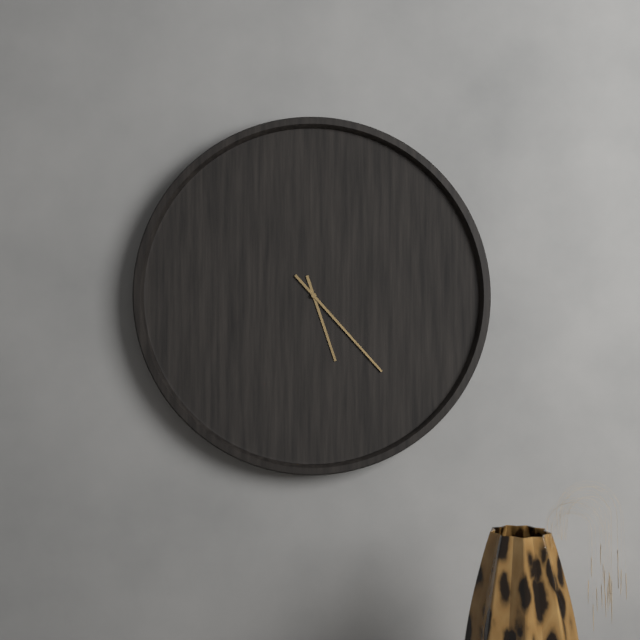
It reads **5:23**
